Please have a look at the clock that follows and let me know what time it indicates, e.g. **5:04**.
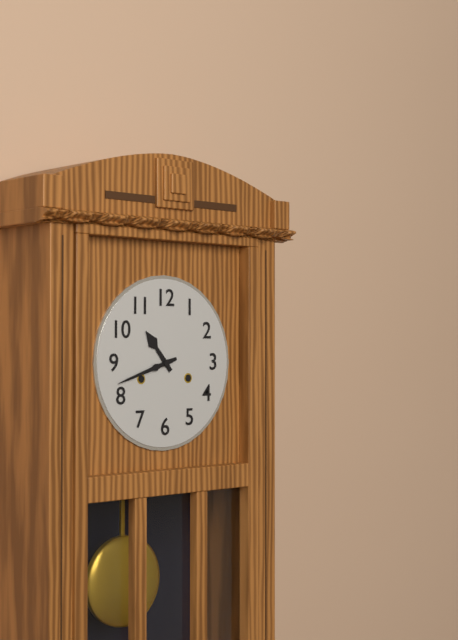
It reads **10:42**
